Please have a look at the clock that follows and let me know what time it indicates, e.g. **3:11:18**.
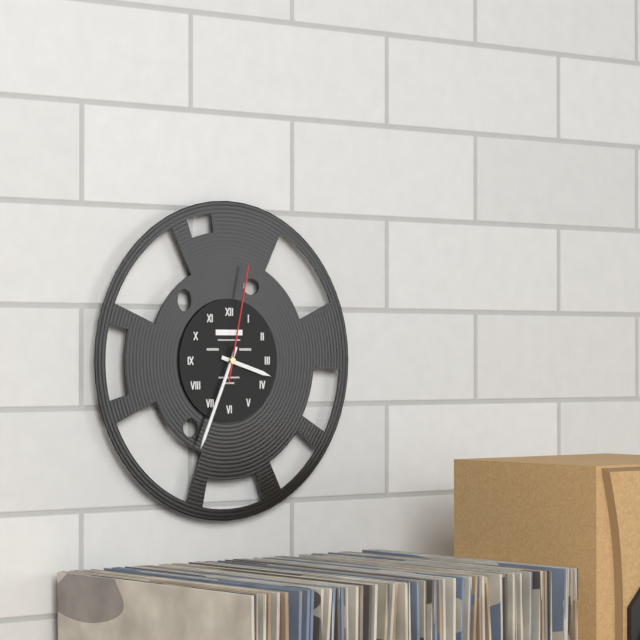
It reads **3:34:02**
